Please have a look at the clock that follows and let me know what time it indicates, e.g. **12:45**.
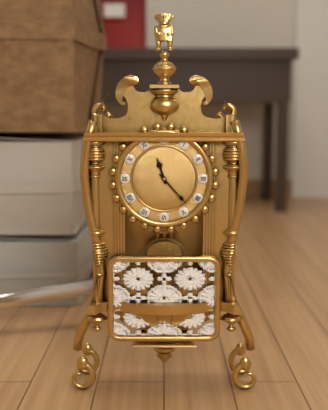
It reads **11:23**
